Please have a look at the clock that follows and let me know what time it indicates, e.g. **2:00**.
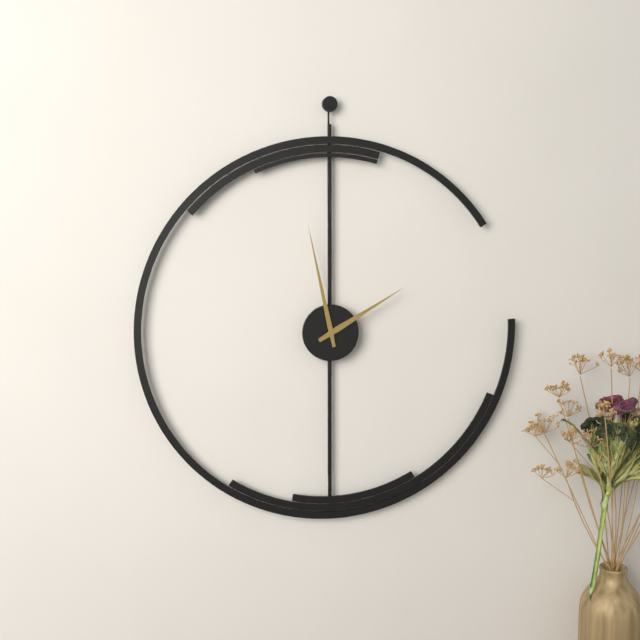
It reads **1:58**
